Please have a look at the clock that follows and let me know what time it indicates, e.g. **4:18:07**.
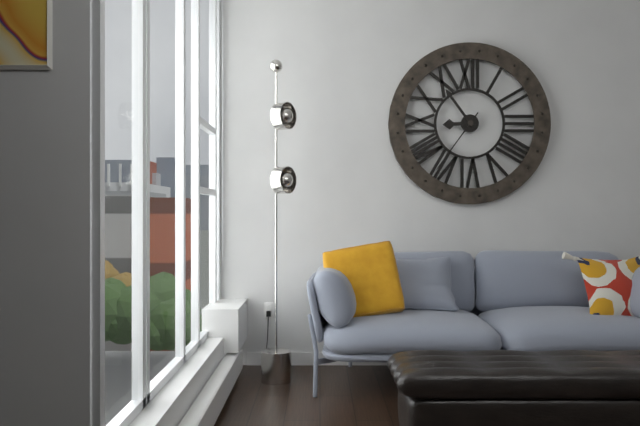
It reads **8:54:36**
